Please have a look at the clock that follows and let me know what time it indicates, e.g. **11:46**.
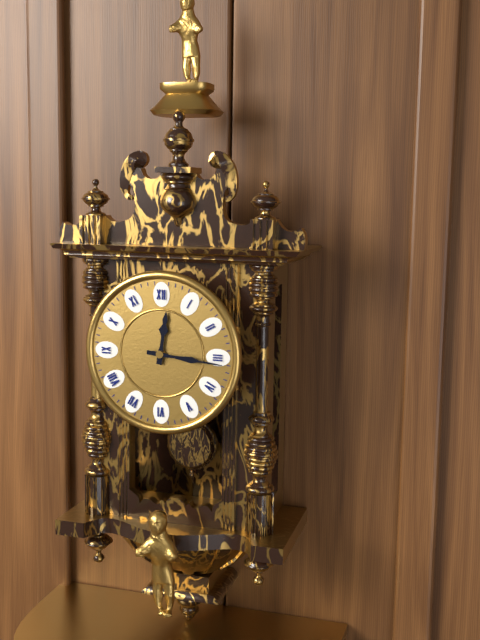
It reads **12:16**
